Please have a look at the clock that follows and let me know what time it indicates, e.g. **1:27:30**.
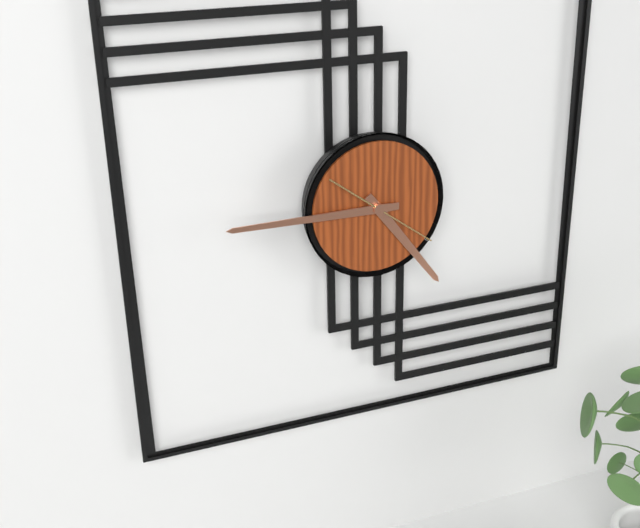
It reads **4:45:21**
